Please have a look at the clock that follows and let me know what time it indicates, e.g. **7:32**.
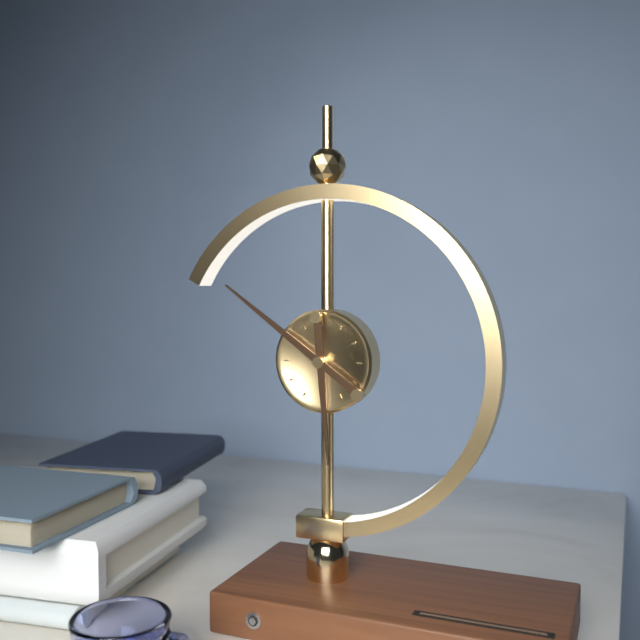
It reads **5:51**
